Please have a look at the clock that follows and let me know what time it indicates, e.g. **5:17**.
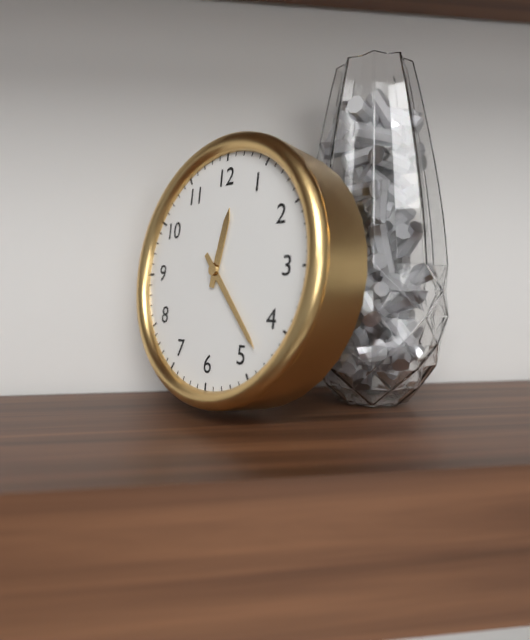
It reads **12:23**
